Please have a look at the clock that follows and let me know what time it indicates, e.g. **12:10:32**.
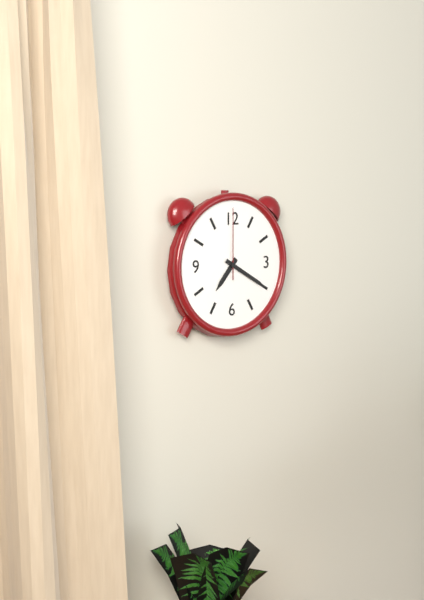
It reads **7:20:00**
